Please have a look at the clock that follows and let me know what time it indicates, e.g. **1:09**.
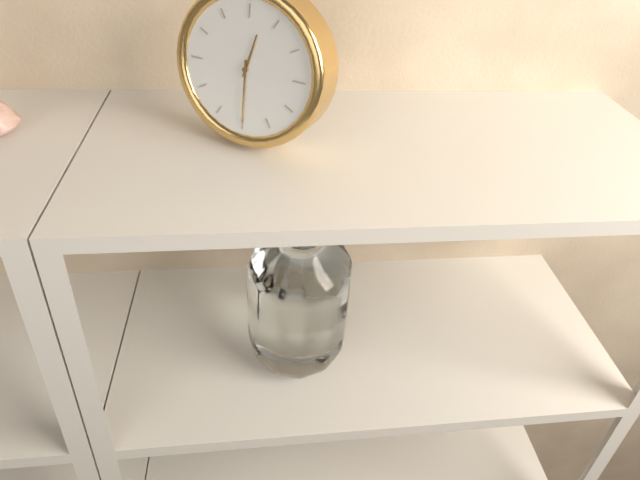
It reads **12:30**
